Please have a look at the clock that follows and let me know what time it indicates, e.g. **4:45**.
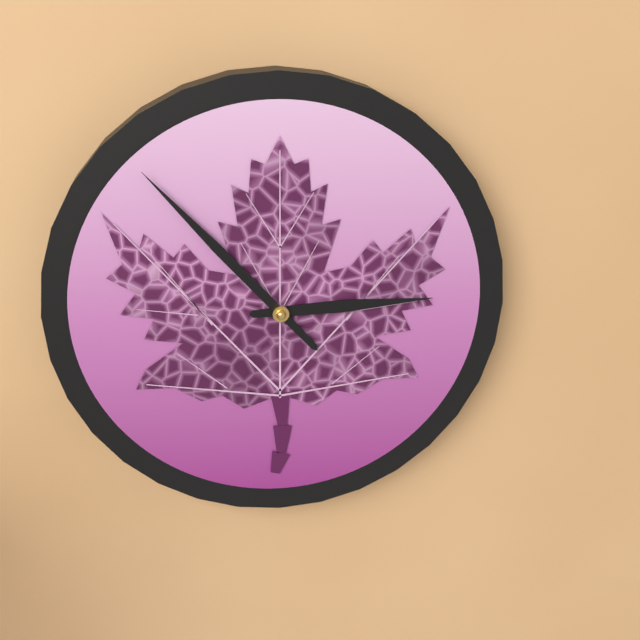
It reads **2:53**
